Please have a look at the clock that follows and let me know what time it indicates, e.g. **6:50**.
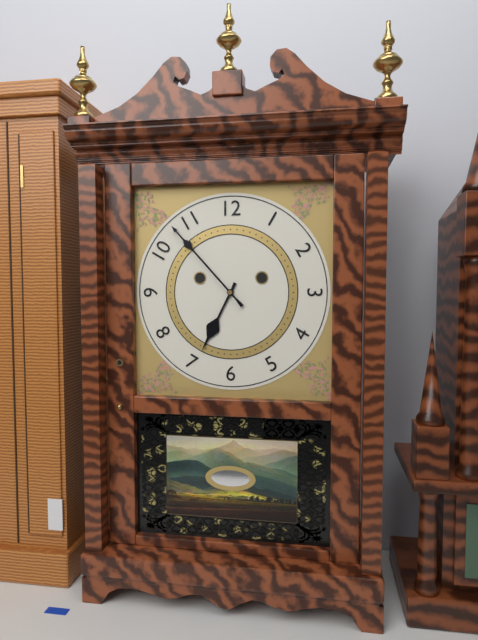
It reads **6:53**
